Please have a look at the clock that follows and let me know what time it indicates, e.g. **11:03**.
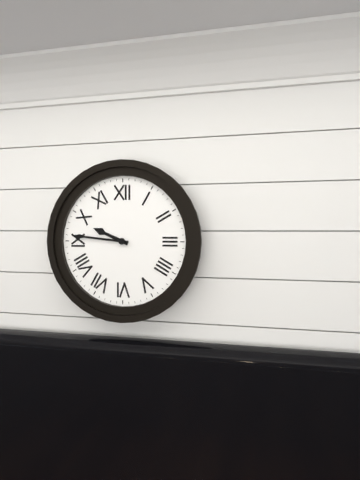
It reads **9:46**
